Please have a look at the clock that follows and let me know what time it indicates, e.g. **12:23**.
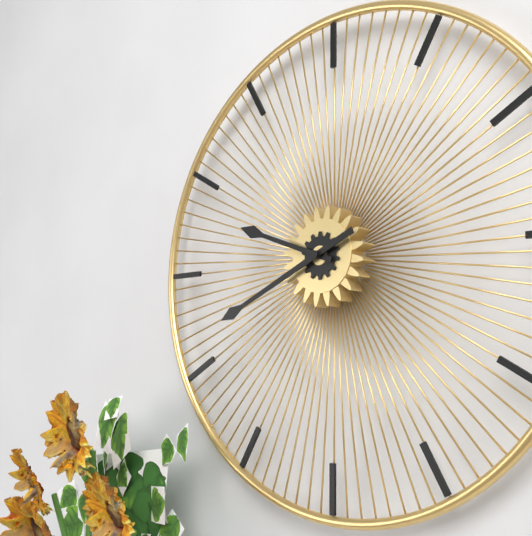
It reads **9:41**
